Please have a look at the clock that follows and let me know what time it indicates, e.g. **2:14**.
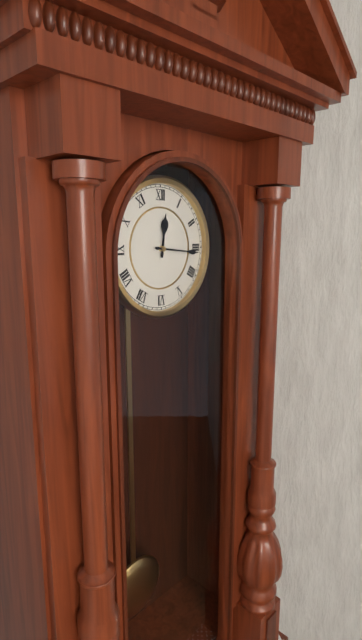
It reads **12:16**
